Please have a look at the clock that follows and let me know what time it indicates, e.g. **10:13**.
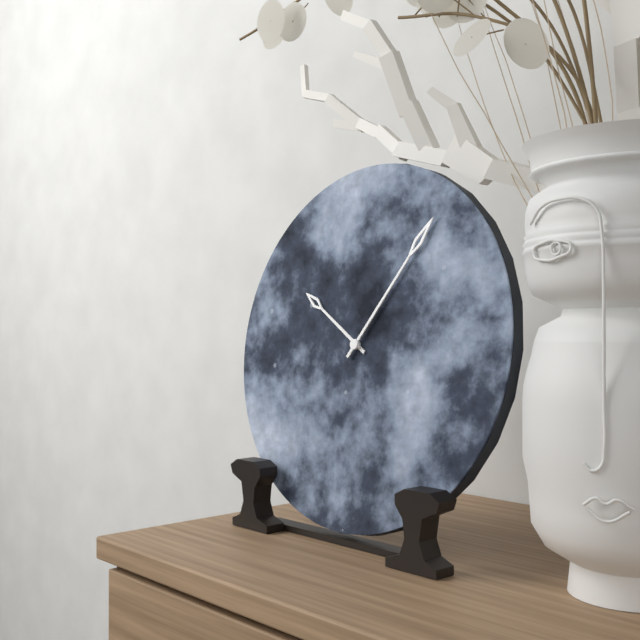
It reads **10:06**
